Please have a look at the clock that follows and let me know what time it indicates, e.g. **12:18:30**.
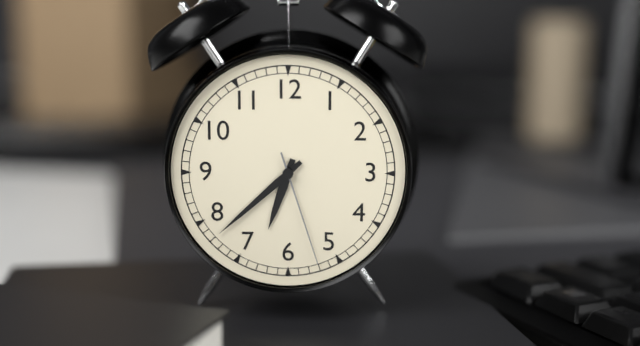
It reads **6:38:27**
